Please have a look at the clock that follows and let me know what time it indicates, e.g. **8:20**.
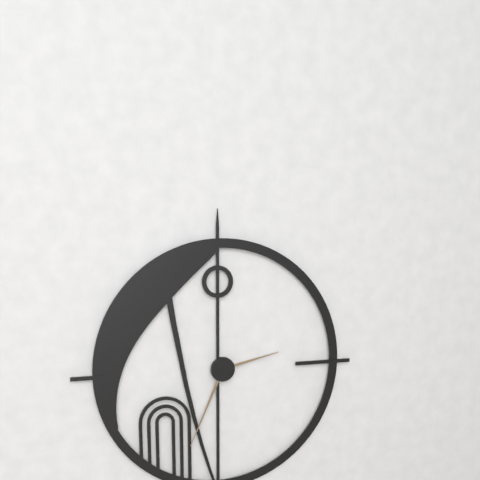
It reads **2:34**
